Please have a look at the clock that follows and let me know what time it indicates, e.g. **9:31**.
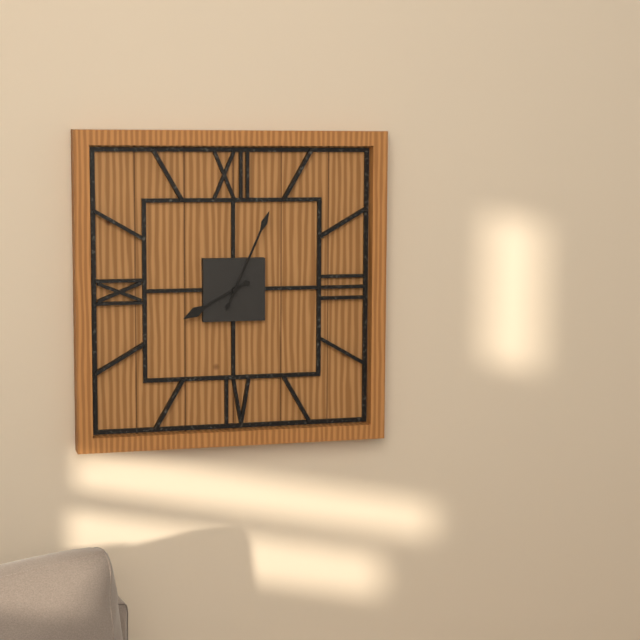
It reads **8:04**
